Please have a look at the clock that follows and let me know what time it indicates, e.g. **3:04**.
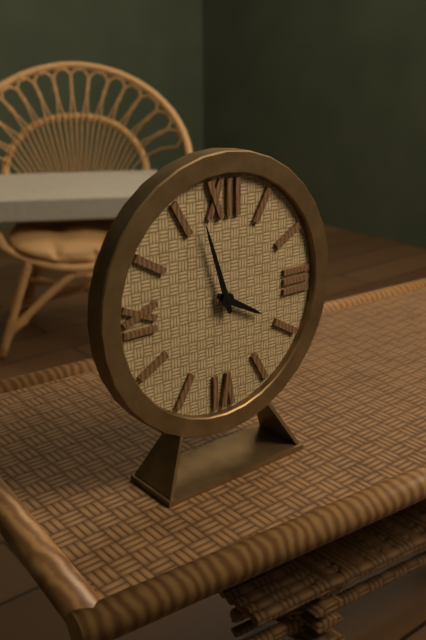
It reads **3:57**
